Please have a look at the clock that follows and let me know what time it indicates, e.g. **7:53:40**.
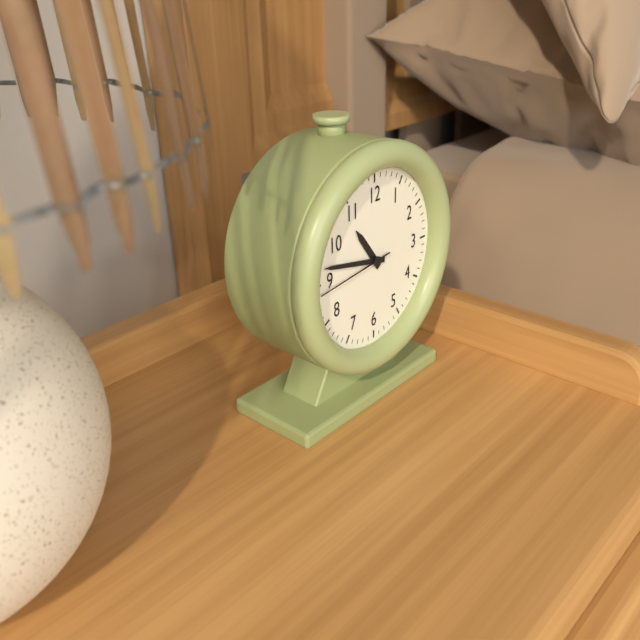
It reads **10:47:44**
